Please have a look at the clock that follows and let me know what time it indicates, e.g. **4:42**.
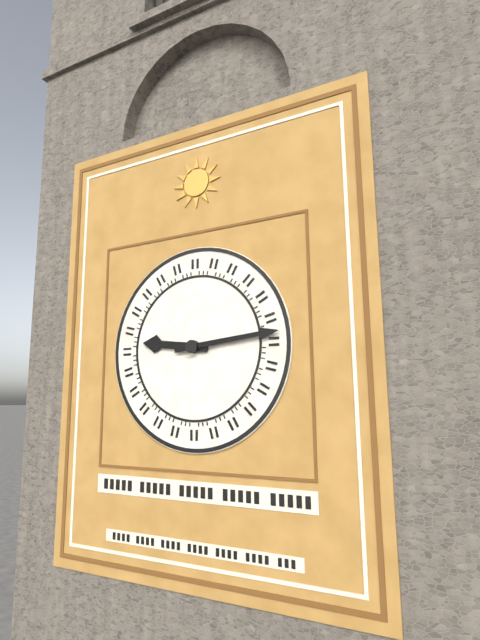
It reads **9:14**
